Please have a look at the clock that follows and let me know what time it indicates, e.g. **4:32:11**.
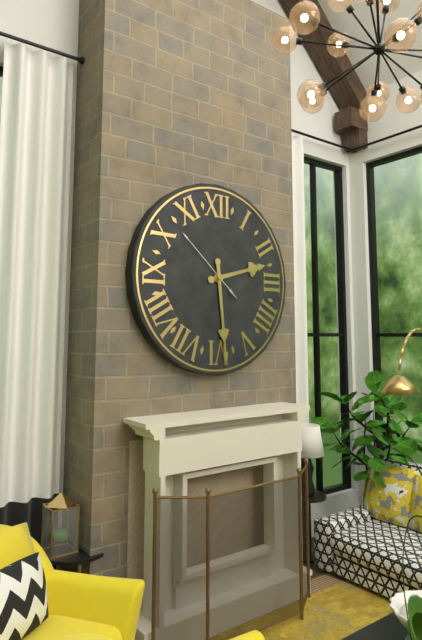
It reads **2:29:52**
